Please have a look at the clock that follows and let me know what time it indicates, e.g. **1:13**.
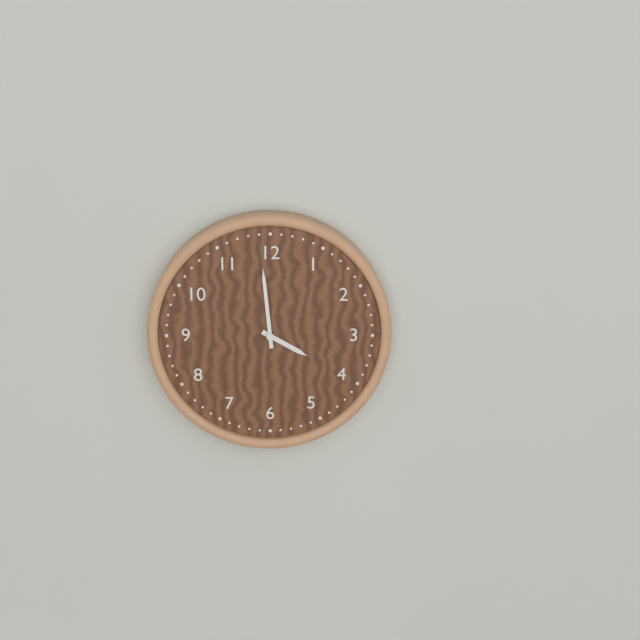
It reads **3:59**
